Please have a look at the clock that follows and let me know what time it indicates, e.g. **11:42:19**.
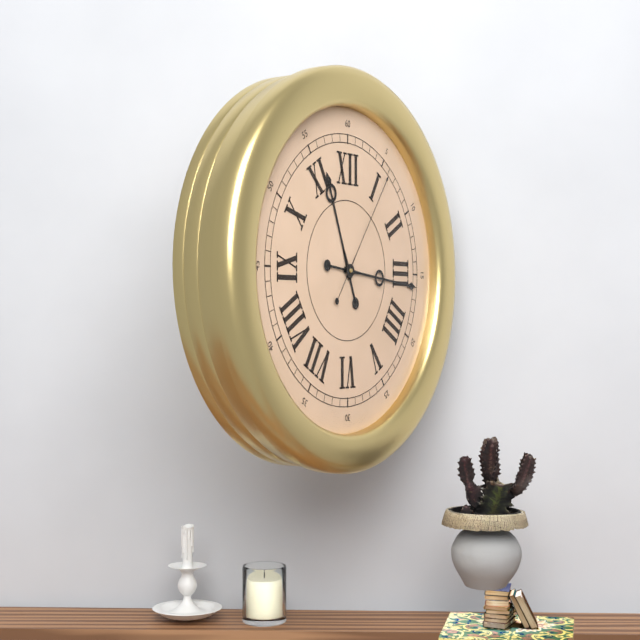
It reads **11:16:06**
